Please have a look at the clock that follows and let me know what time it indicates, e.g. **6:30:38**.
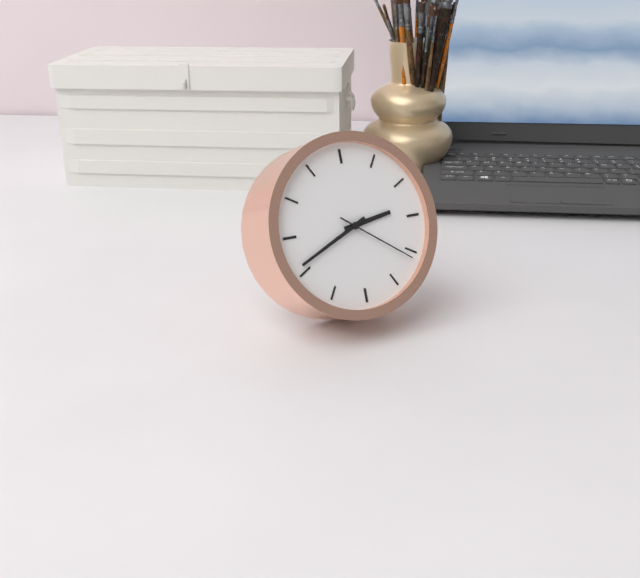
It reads **2:41:21**
